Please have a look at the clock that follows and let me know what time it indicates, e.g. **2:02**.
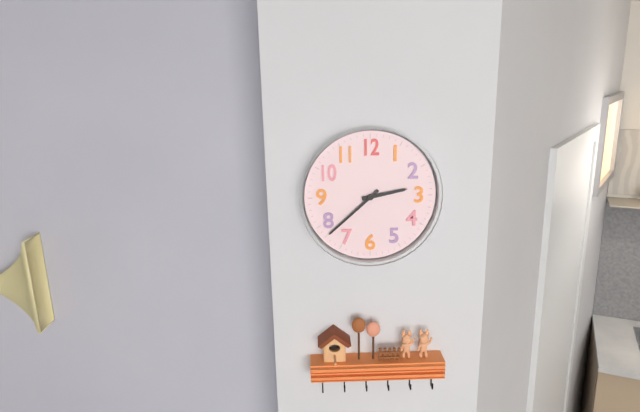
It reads **2:38**
